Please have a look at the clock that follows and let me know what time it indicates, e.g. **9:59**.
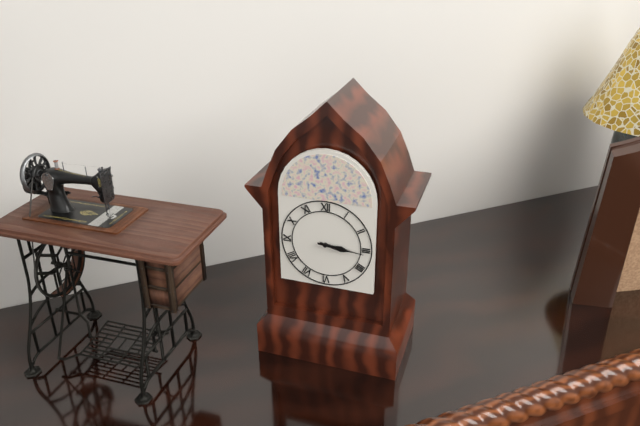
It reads **3:16**
